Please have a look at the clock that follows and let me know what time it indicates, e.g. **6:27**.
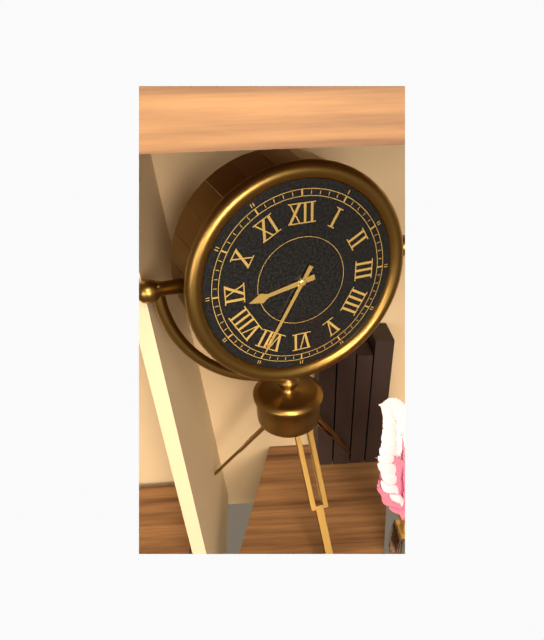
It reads **8:35**
